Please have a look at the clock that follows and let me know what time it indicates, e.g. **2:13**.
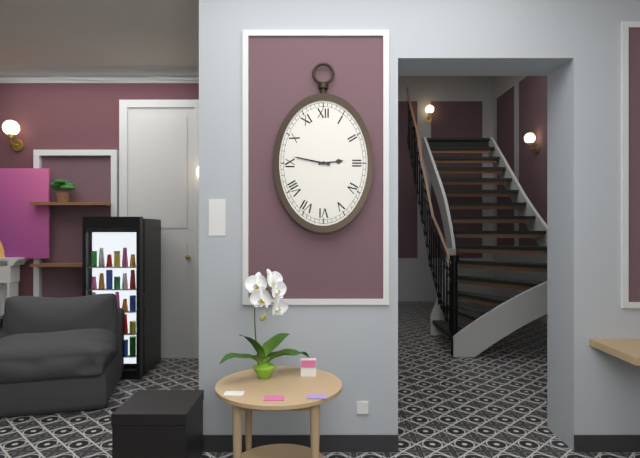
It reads **2:47**
